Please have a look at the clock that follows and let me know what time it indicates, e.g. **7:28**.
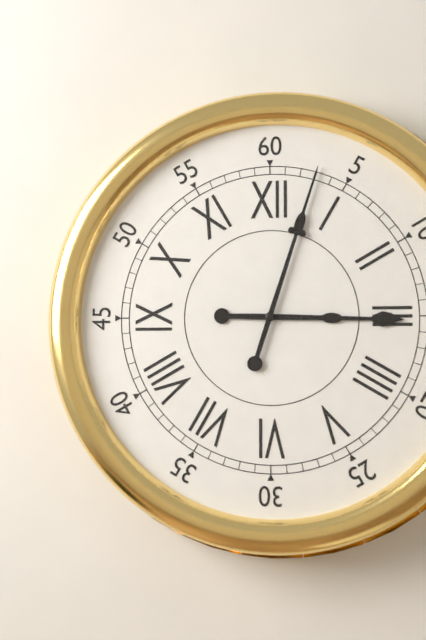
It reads **3:03**
